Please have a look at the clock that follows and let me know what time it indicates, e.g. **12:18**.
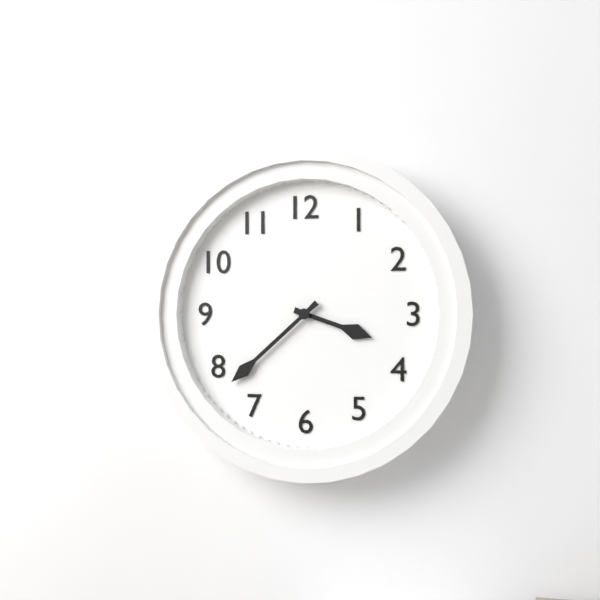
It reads **3:38**
